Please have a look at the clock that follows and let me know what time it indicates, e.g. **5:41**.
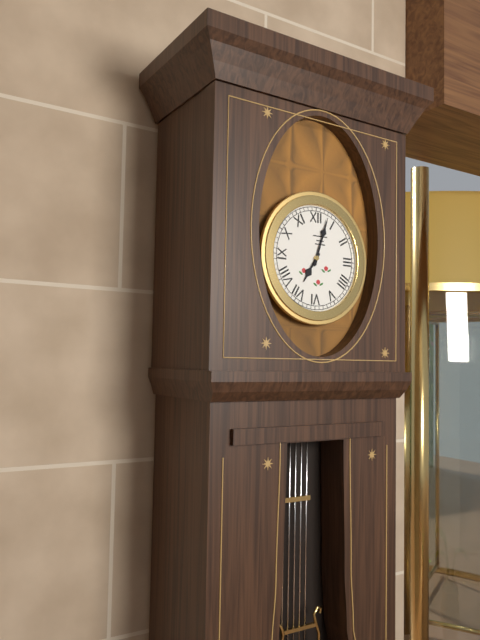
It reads **7:03**
